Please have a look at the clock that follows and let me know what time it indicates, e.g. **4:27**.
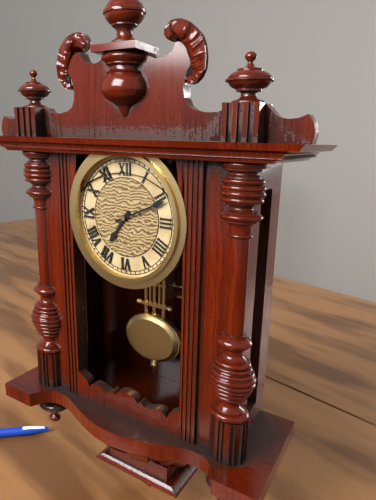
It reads **7:11**
